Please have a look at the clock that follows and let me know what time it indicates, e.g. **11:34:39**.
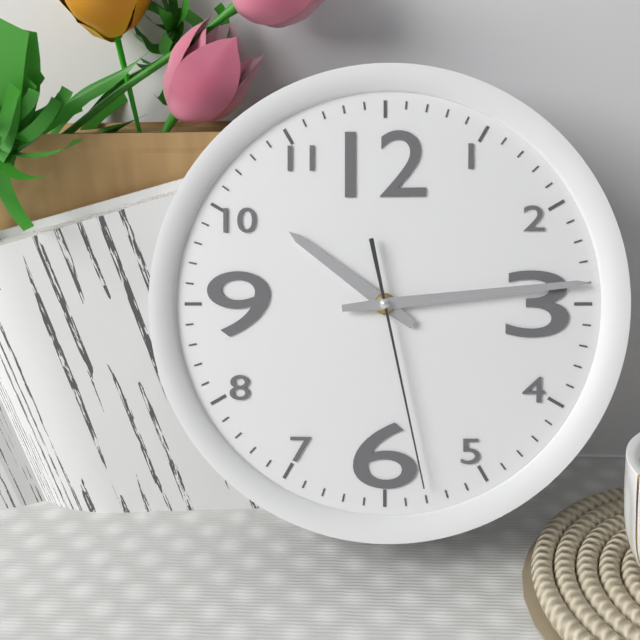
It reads **10:14:28**
